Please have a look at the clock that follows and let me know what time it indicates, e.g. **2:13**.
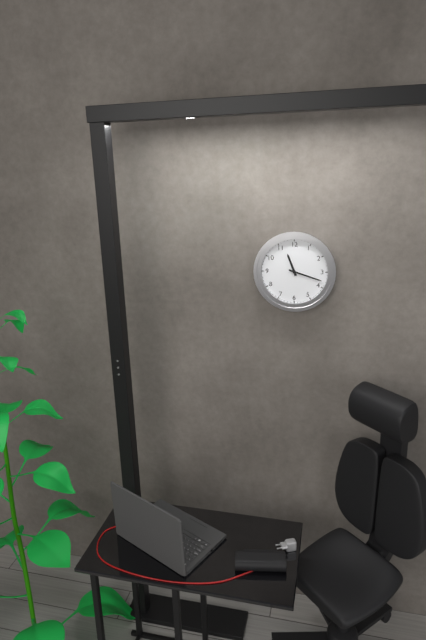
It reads **11:18**
